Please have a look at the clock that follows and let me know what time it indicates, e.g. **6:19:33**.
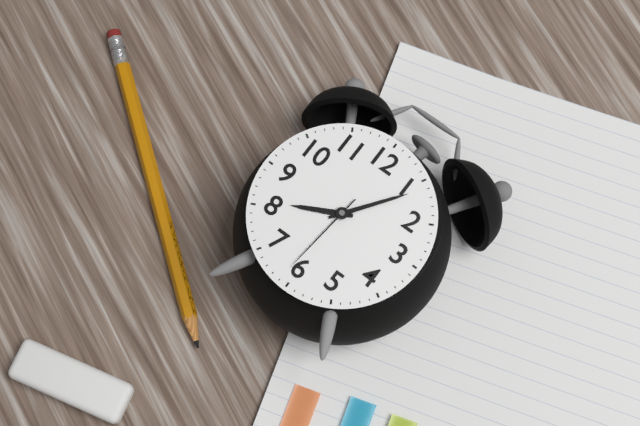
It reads **8:06:31**
